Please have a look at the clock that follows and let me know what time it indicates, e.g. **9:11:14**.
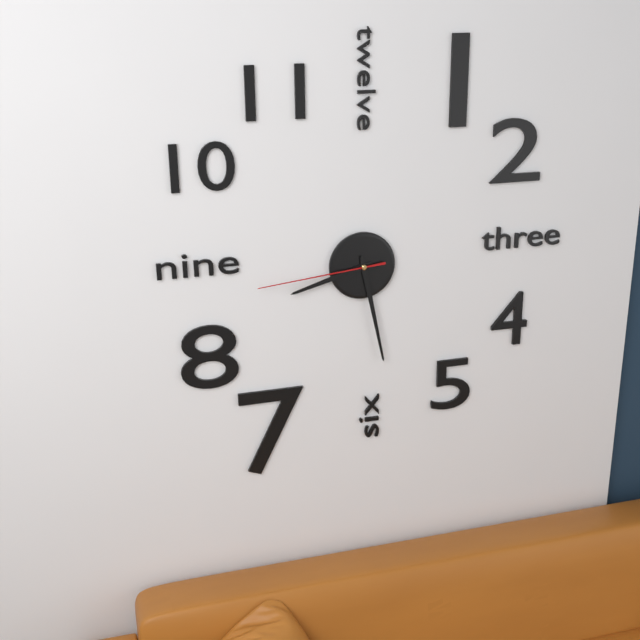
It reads **8:28:44**
